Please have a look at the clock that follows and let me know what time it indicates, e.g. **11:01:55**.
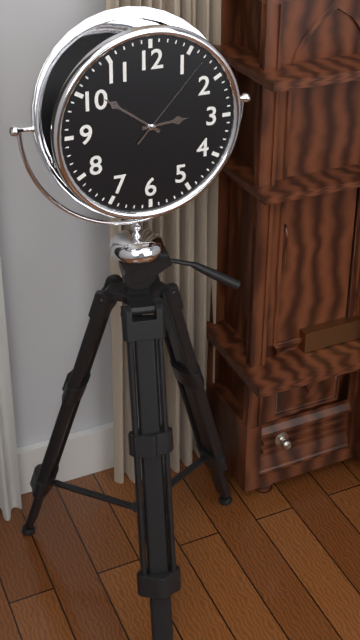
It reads **2:51:07**
